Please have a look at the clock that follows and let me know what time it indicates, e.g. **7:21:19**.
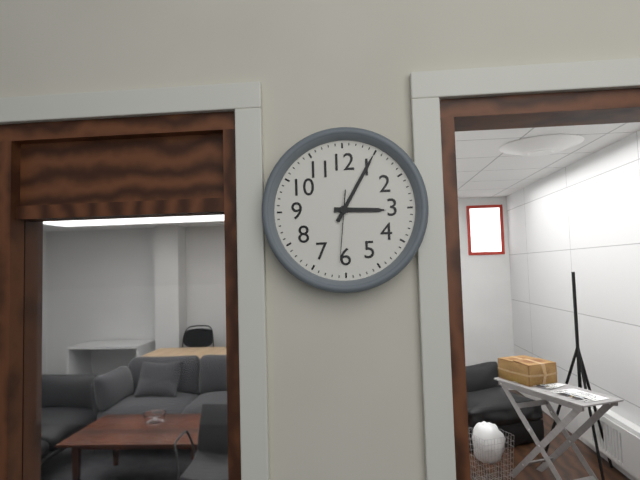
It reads **3:05:31**
